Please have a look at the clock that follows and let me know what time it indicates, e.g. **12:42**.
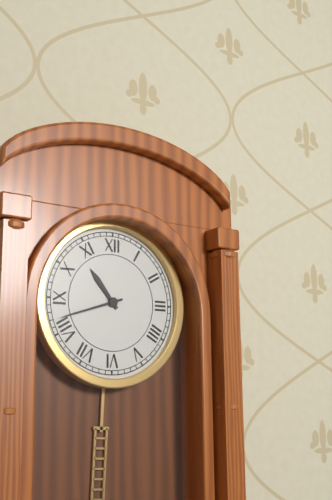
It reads **10:42**
